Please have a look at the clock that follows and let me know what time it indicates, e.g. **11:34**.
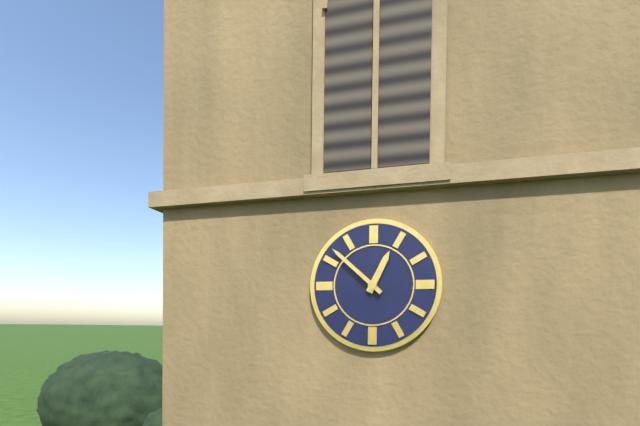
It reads **12:52**
